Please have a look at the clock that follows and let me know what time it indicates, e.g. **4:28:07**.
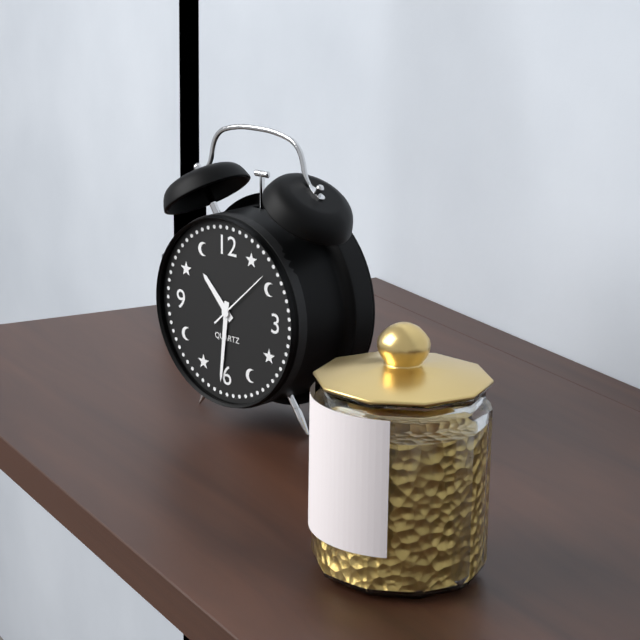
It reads **10:31:08**
